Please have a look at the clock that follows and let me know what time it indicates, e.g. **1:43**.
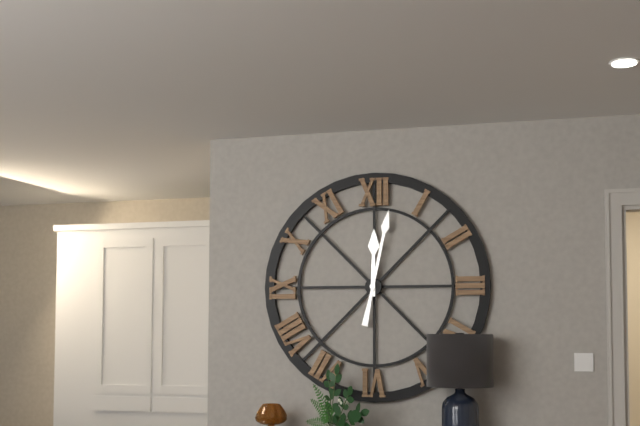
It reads **12:02**
